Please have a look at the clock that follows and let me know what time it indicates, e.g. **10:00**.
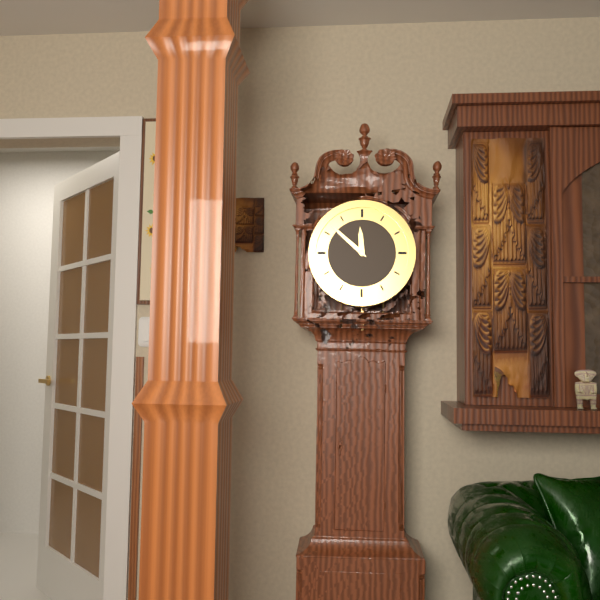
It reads **11:52**
